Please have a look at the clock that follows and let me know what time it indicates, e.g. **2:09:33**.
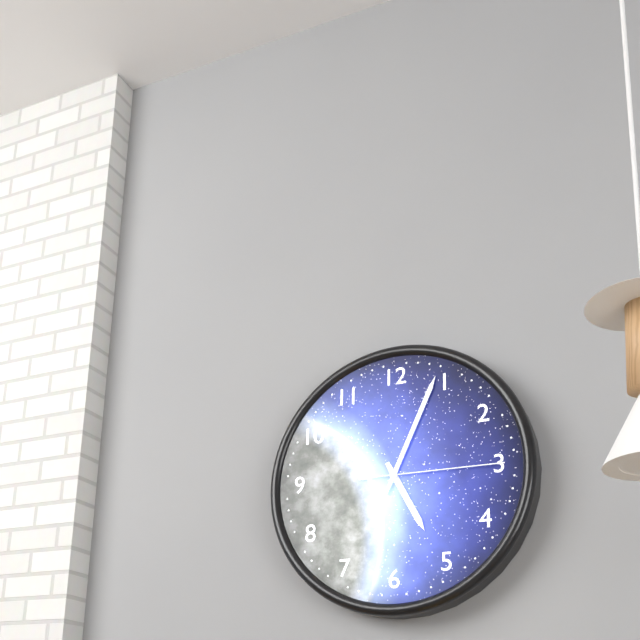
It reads **5:04:15**
